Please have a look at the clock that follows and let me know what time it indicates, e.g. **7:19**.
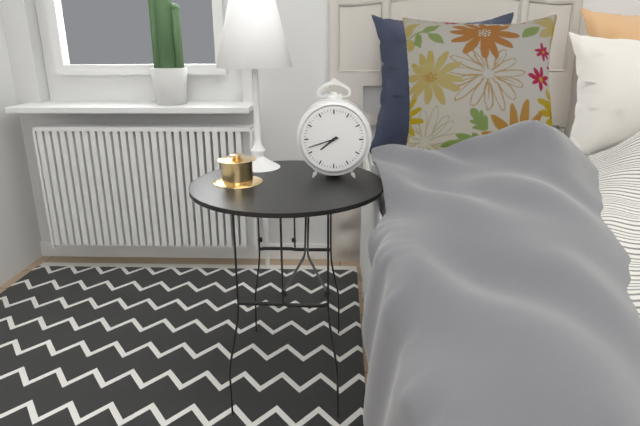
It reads **7:42**
